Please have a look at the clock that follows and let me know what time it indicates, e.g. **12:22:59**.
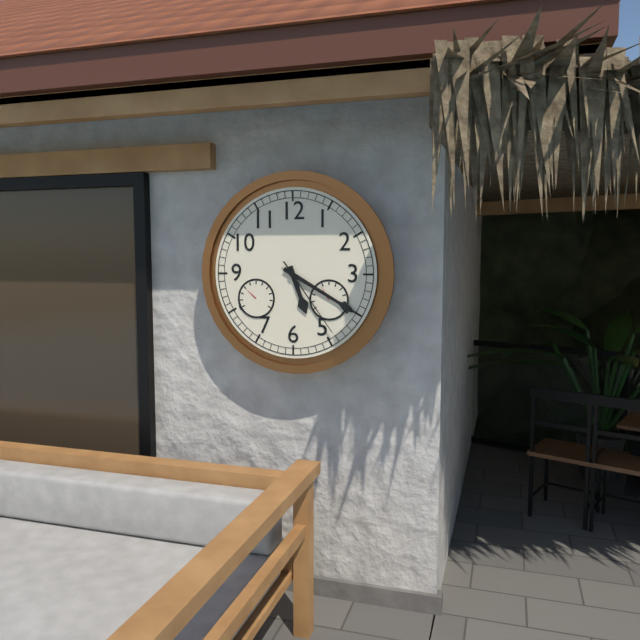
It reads **5:20:24**
